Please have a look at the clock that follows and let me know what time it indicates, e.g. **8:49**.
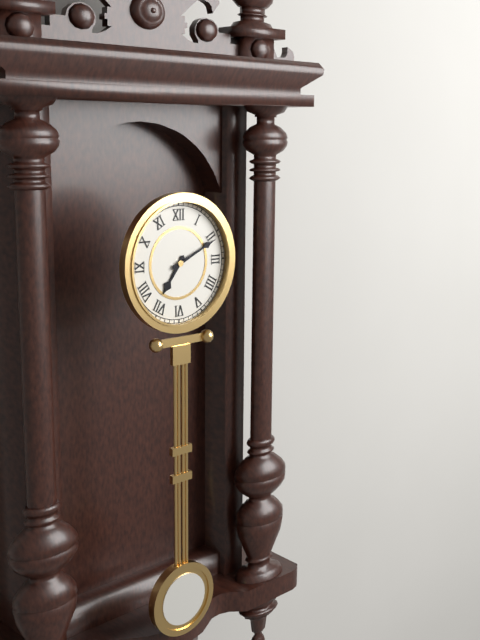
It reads **7:11**
